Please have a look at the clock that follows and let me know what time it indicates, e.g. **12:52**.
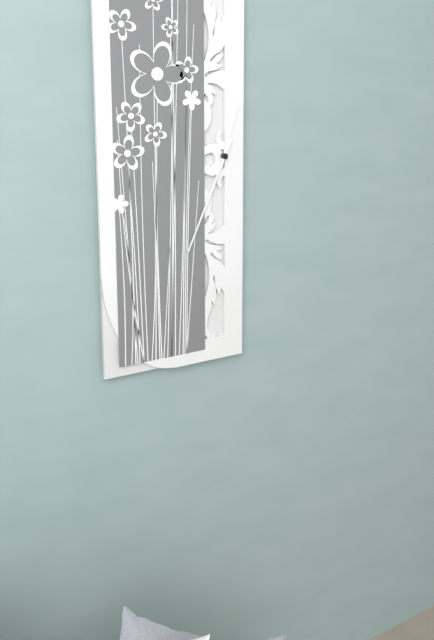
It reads **12:34**
